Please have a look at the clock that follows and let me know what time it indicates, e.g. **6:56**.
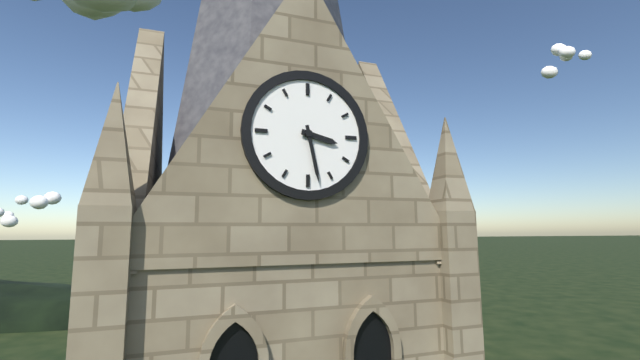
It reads **3:28**
